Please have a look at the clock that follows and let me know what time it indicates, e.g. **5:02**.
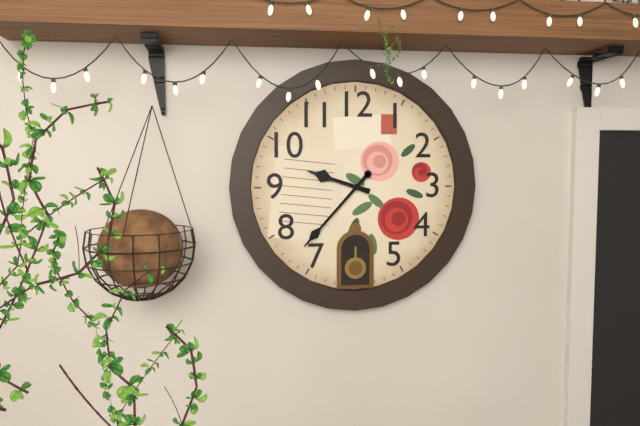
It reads **9:37**
